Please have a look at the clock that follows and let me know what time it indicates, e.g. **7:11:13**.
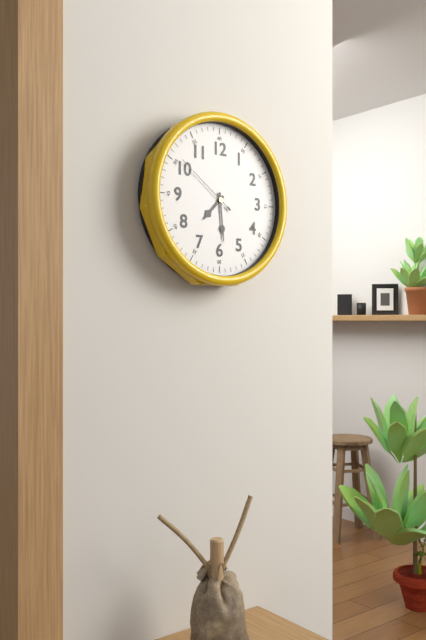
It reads **7:29:51**
